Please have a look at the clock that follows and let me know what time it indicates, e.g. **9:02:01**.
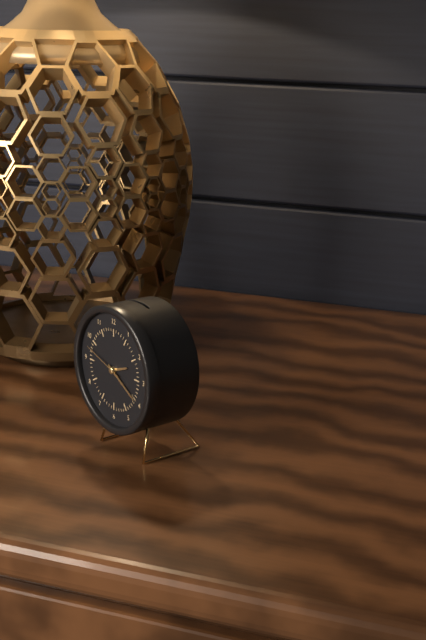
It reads **2:20:48**
